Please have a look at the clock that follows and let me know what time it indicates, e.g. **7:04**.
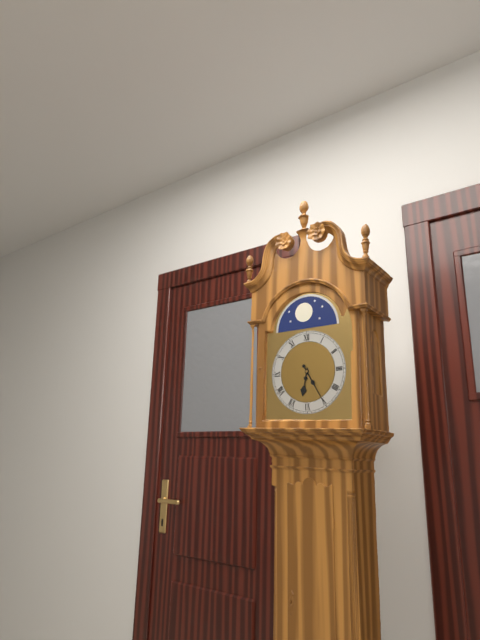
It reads **6:25**
